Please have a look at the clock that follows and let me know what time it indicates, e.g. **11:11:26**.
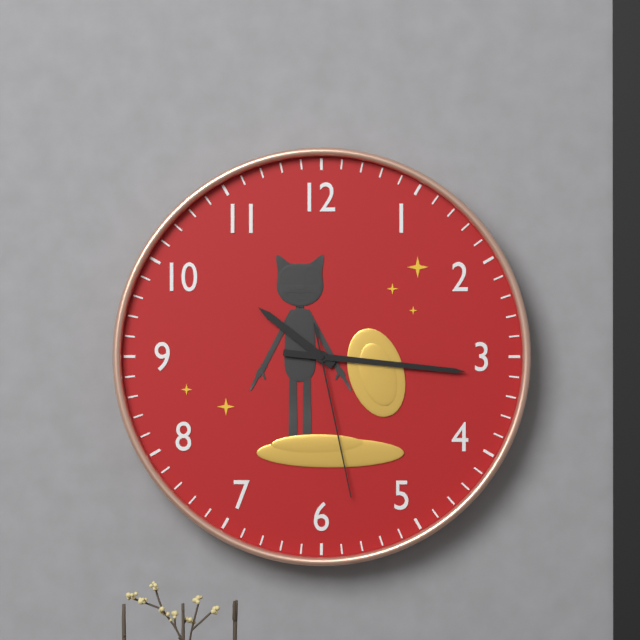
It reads **10:16:28**
